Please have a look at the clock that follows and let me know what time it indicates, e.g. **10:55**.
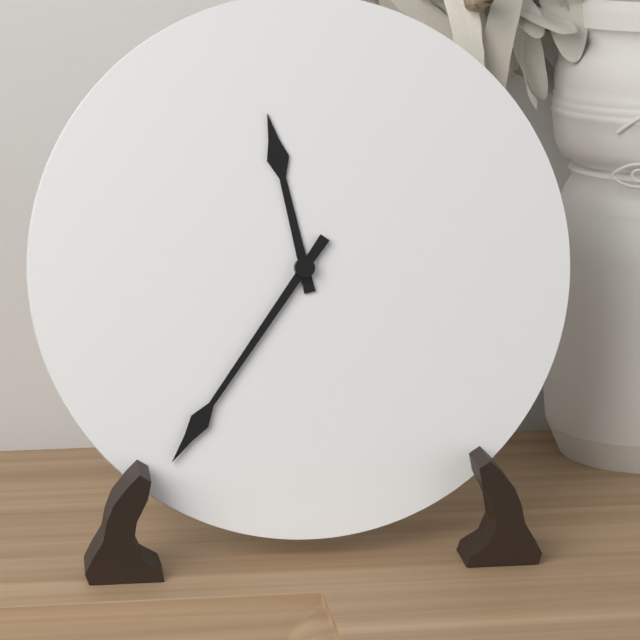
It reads **11:36**
